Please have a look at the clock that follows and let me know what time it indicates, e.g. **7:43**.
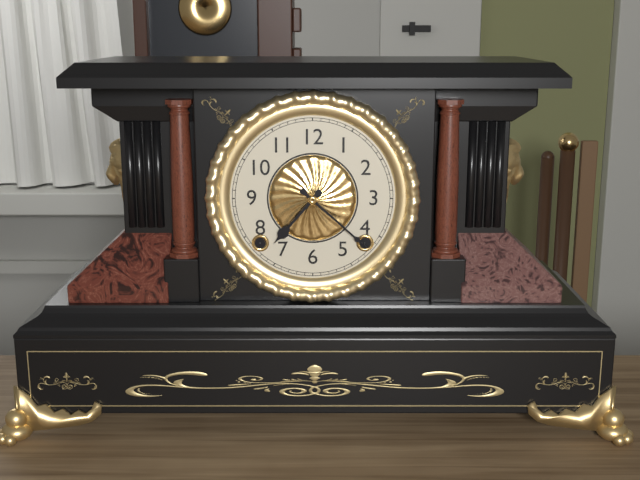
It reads **7:22**
